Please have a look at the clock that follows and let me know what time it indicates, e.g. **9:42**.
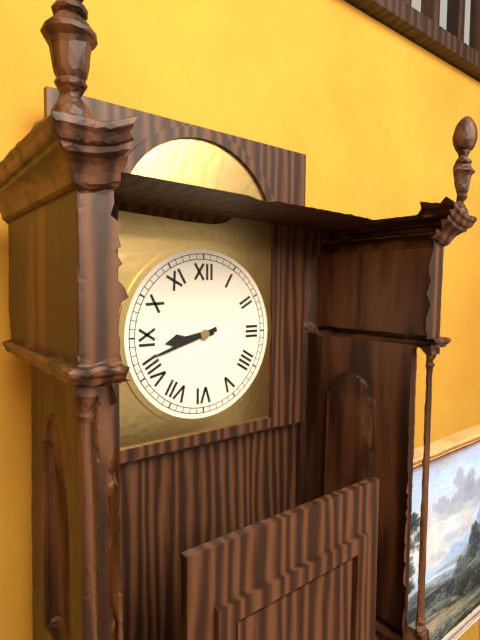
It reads **8:42**
